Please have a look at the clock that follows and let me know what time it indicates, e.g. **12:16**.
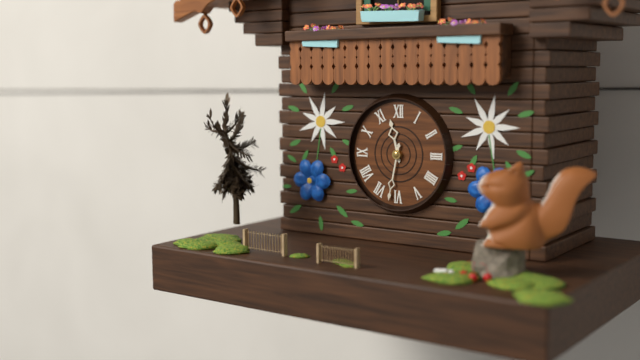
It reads **11:32**
